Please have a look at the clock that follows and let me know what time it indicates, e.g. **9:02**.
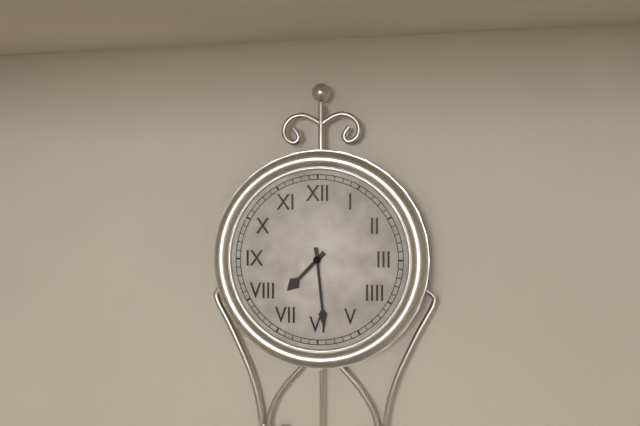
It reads **7:29**
